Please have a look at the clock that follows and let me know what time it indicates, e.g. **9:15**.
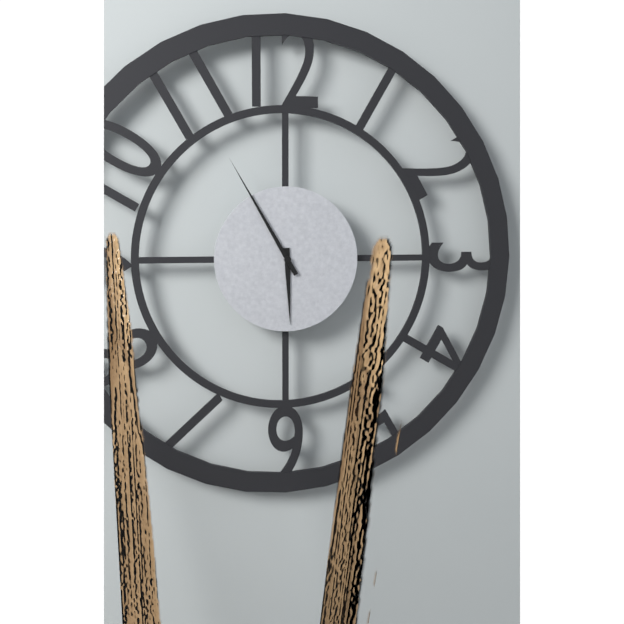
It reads **5:55**
